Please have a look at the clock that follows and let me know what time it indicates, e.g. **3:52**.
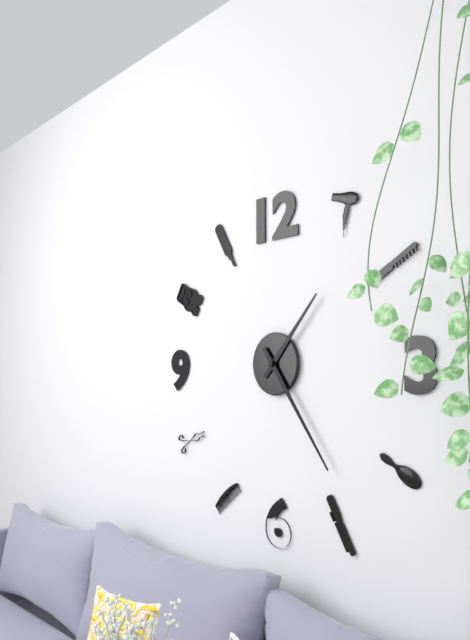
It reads **1:24**
